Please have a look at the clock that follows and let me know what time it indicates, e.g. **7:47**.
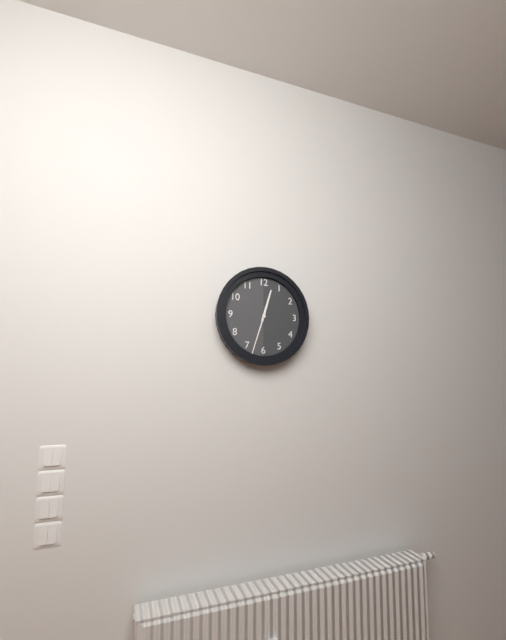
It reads **12:33**
